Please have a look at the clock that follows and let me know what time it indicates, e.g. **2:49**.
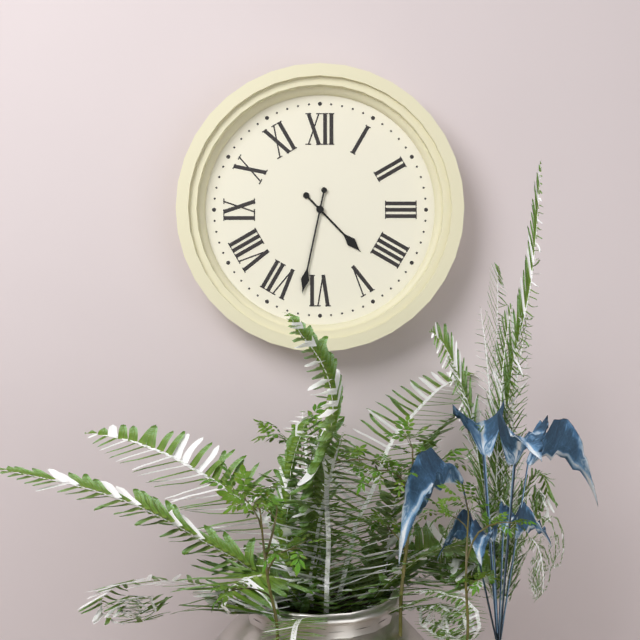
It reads **4:32**
